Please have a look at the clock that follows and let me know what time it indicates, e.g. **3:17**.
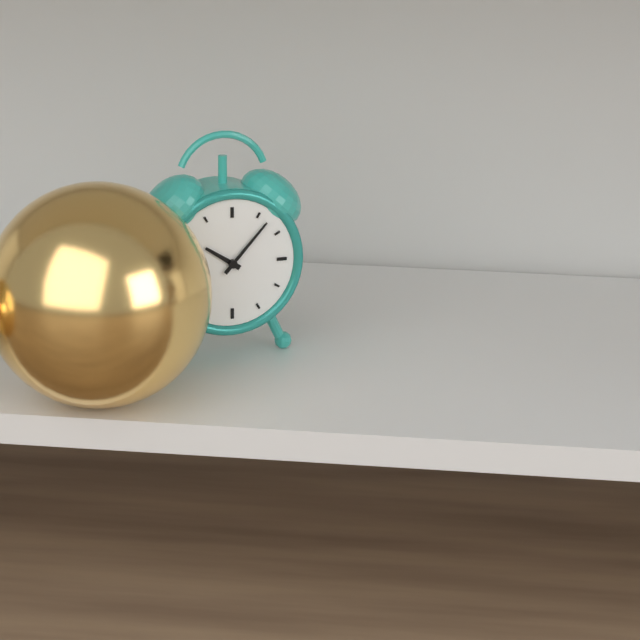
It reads **10:07**
